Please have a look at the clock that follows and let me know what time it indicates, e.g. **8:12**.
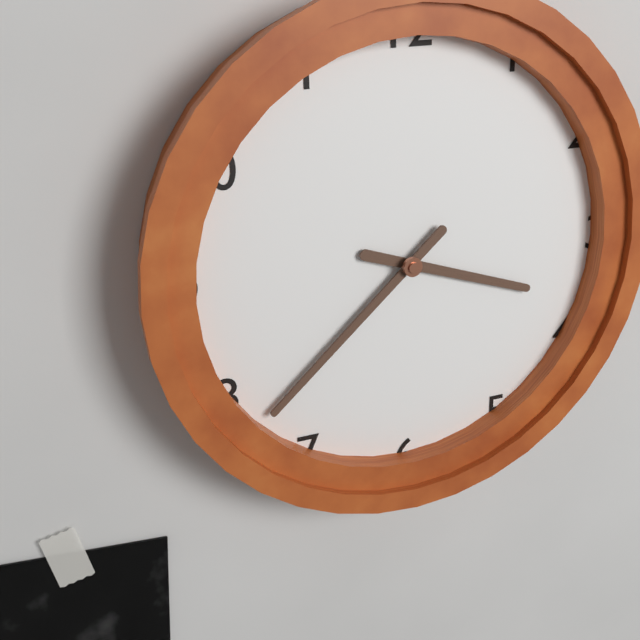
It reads **3:38**
